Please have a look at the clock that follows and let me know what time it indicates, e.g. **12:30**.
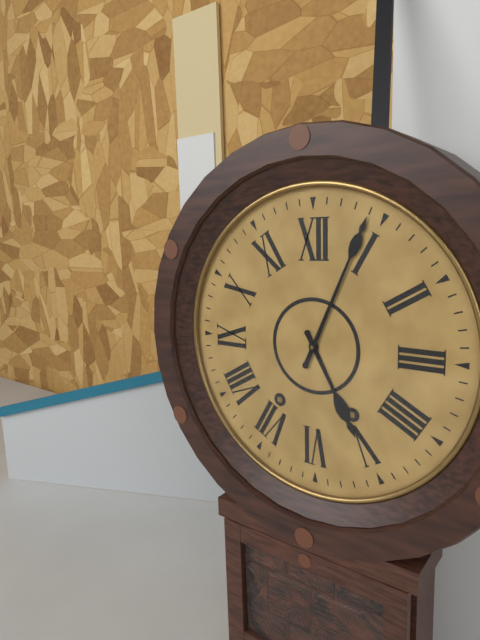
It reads **5:04**
